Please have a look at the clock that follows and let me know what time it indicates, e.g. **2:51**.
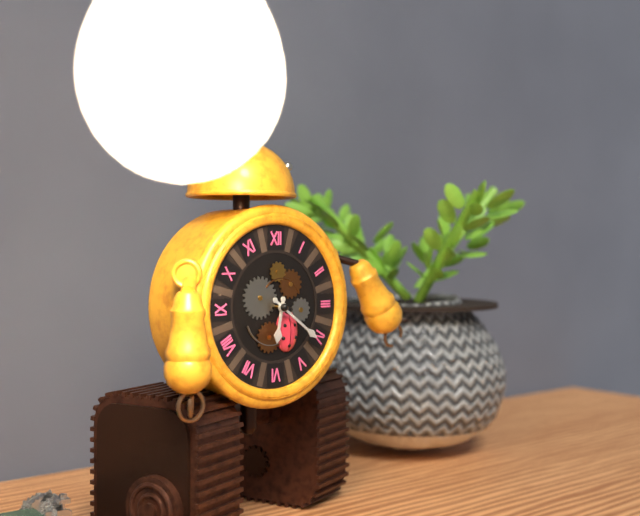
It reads **6:21**
